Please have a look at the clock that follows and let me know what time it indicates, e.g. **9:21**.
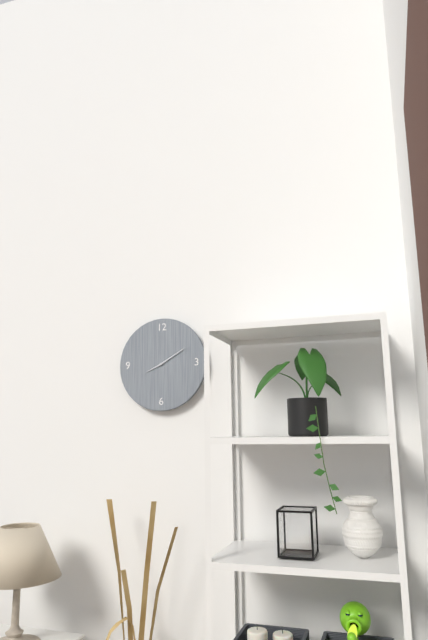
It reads **8:10**
